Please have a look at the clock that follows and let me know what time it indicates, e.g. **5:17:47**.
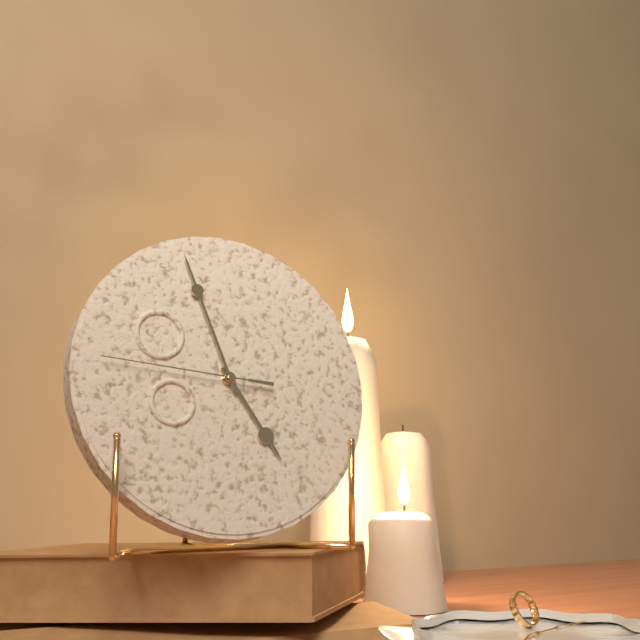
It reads **4:57:46**
